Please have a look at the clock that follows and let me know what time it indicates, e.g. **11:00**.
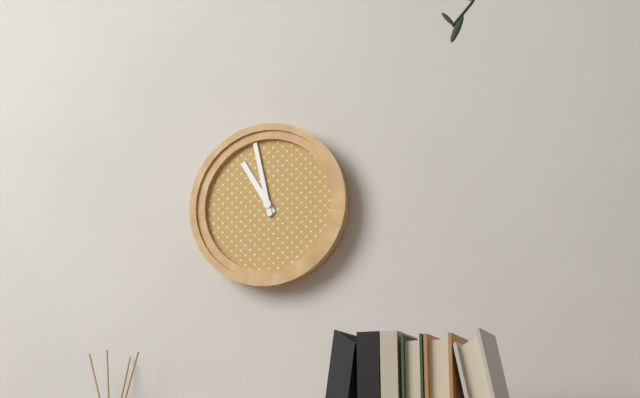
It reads **10:58**
